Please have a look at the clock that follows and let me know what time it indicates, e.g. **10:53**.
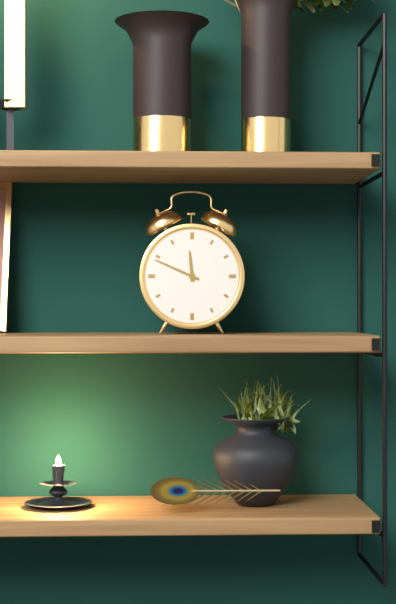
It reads **11:49**
